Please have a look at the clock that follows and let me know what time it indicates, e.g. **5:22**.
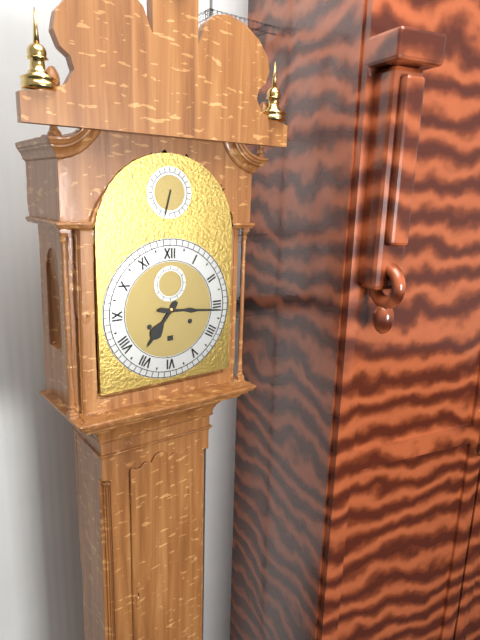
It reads **7:16**
